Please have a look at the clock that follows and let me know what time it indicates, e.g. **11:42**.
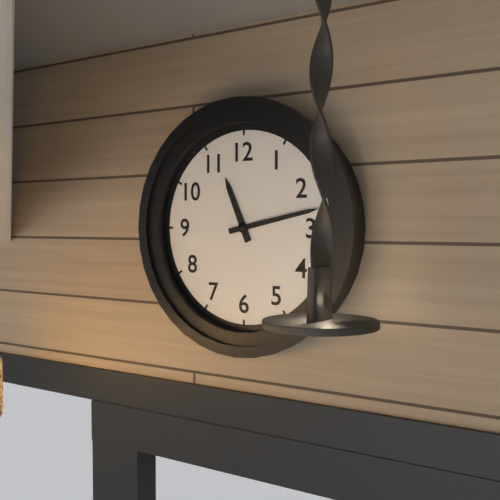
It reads **11:13**
